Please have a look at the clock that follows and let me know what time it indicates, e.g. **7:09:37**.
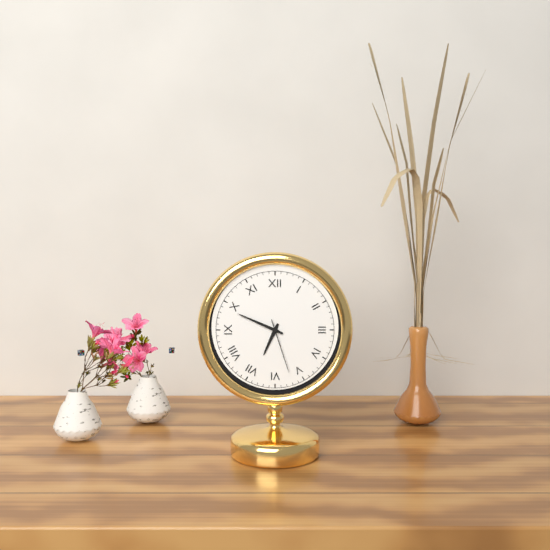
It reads **6:49:27**
